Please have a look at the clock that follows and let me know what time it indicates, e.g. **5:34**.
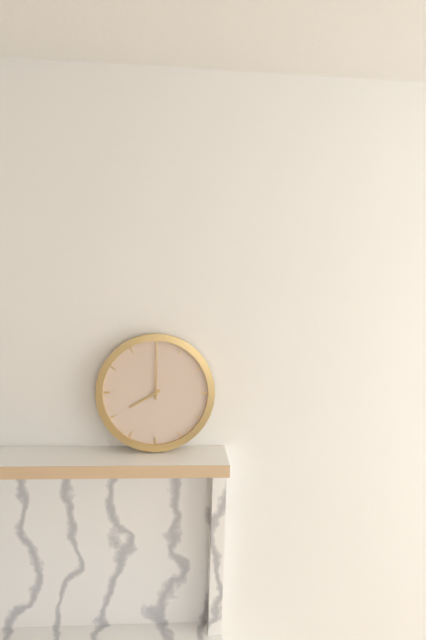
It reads **8:00**
